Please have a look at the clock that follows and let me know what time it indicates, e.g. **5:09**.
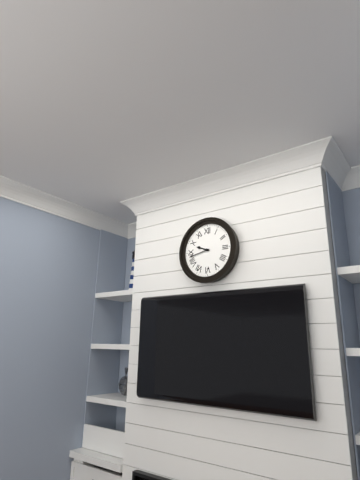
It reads **9:43**
